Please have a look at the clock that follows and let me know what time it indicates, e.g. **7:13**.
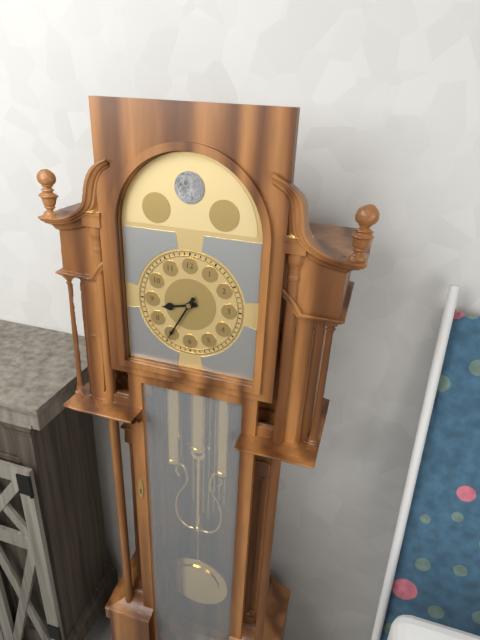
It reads **8:35**
